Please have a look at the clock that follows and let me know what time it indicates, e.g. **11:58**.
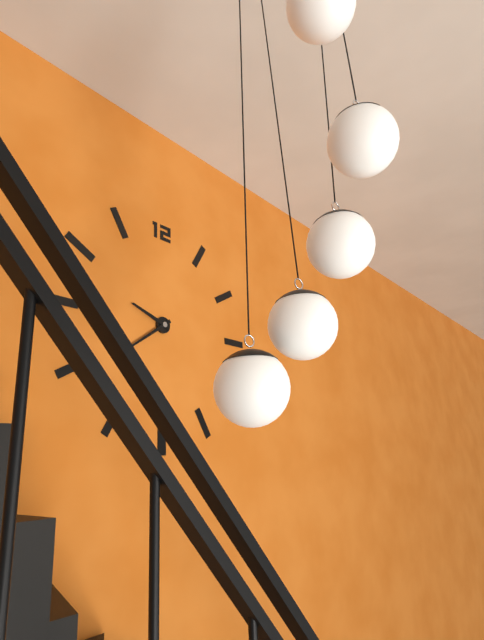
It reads **9:39**
